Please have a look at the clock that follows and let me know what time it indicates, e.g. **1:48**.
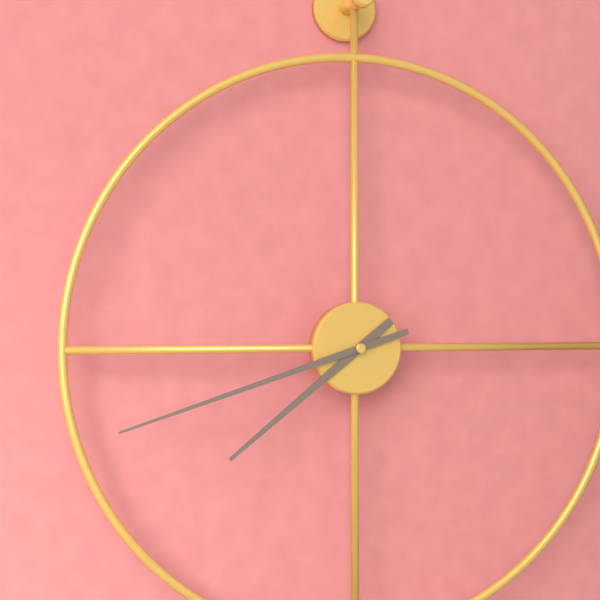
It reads **7:42**
